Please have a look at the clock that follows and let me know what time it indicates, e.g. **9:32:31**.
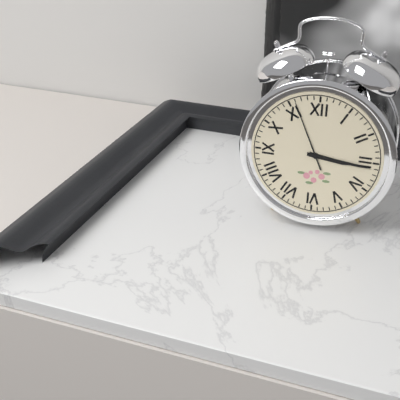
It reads **3:16:56**
